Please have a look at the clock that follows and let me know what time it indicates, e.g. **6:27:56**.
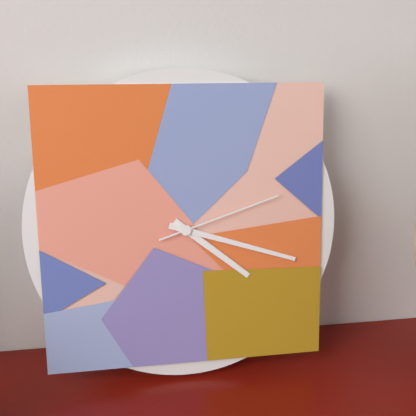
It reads **4:18:12**
